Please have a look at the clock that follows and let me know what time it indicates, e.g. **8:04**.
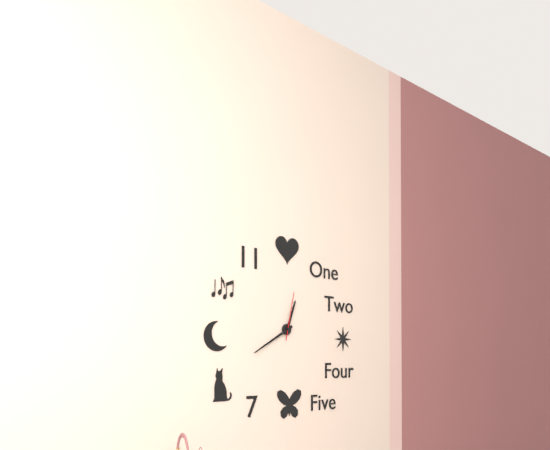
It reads **12:40**
